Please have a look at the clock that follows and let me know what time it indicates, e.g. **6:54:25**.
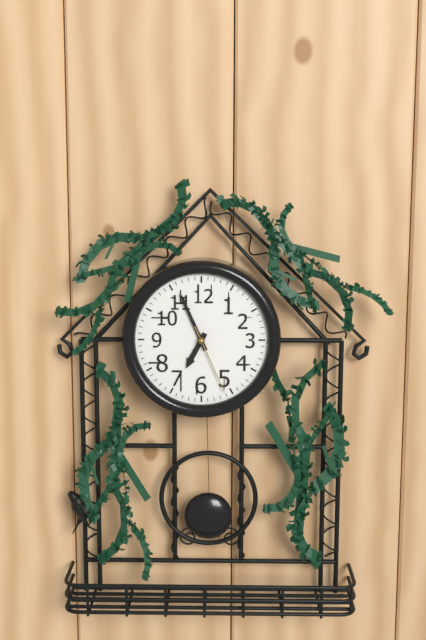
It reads **6:56:26**
